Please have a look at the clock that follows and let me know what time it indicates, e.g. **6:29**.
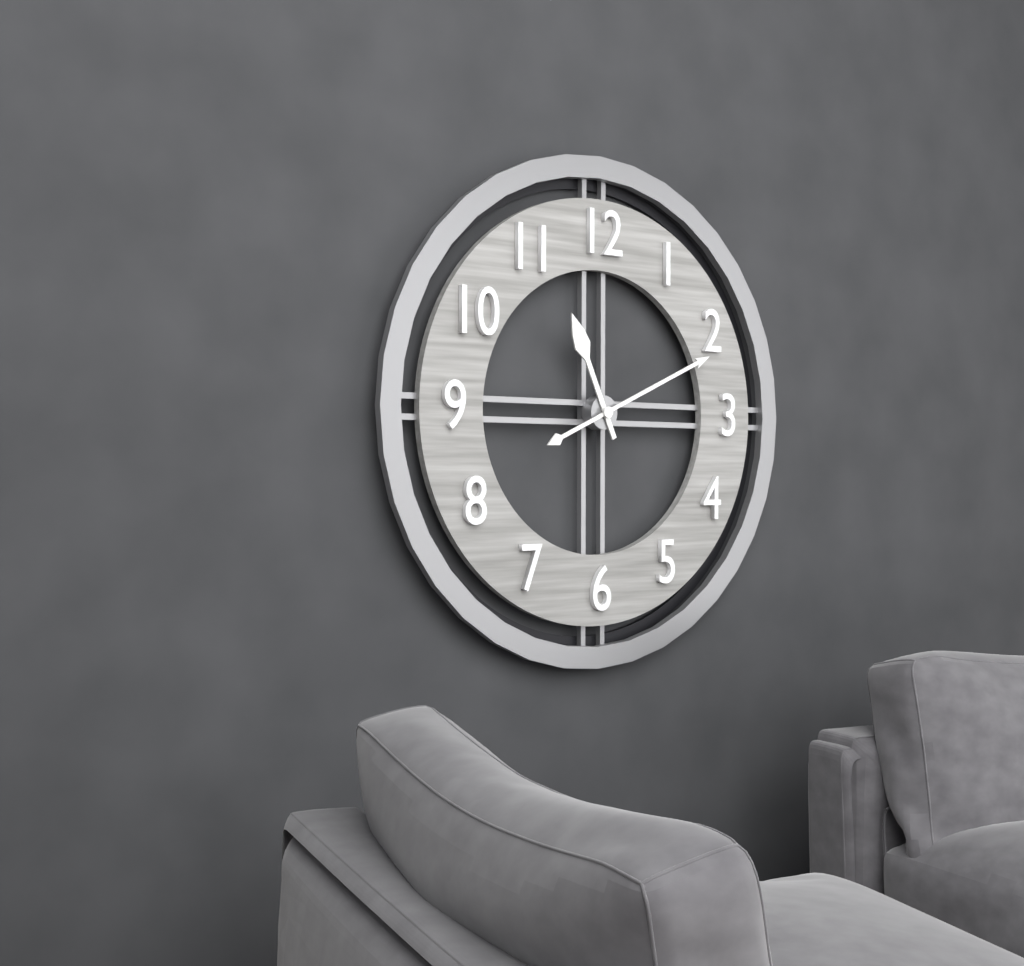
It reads **11:11**
